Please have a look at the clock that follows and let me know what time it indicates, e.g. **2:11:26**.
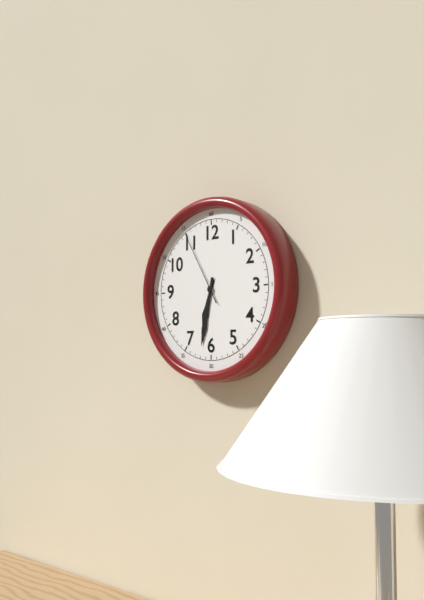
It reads **6:32:55**
